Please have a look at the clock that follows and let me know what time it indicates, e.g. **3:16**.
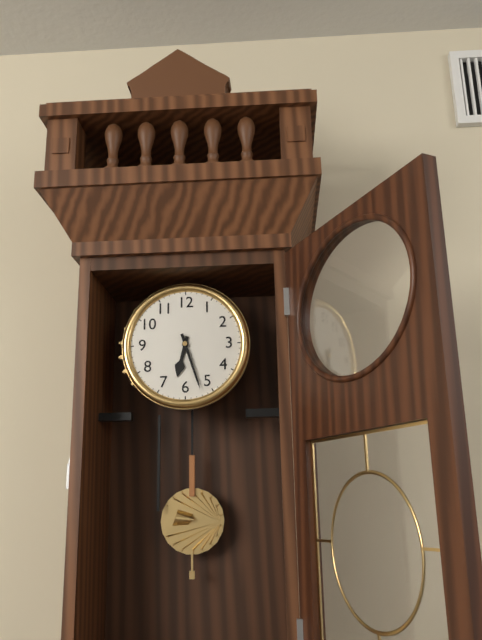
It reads **6:27**
